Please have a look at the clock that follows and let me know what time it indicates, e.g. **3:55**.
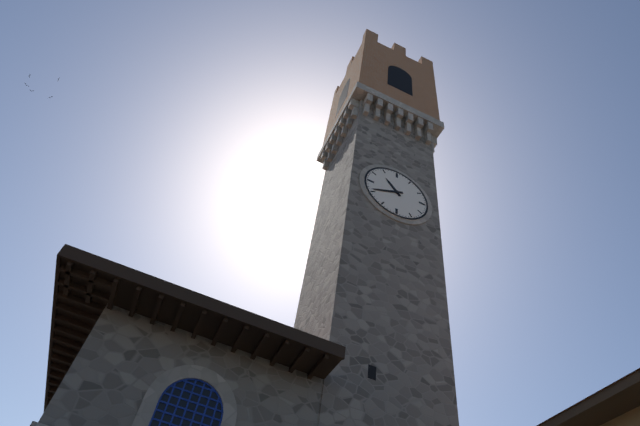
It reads **10:41**
